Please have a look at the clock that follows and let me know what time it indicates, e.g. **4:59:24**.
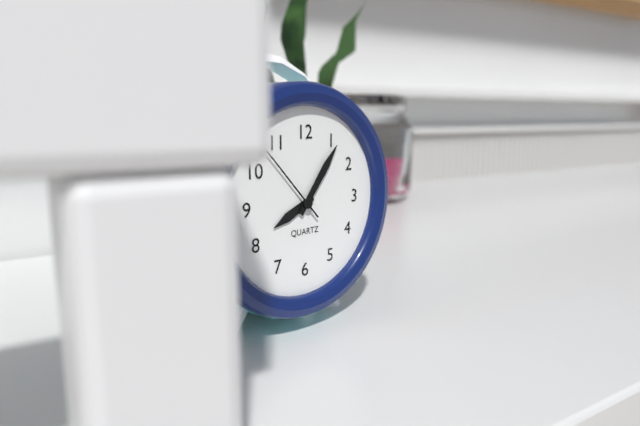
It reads **8:06:53**
